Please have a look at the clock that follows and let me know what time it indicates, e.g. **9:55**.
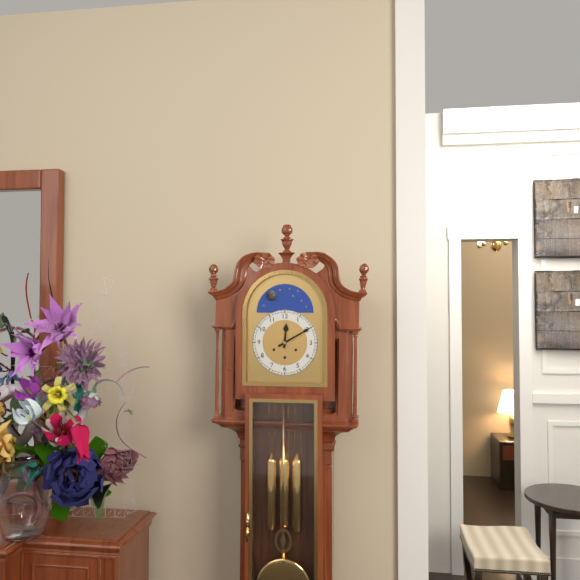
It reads **12:10**
